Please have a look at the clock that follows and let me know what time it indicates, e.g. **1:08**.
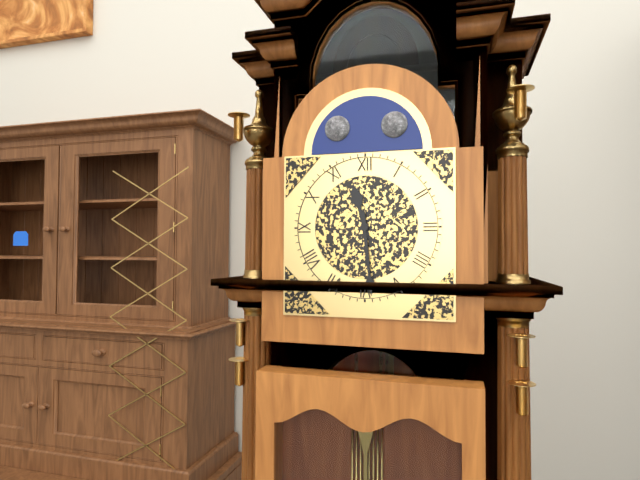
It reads **11:29**
